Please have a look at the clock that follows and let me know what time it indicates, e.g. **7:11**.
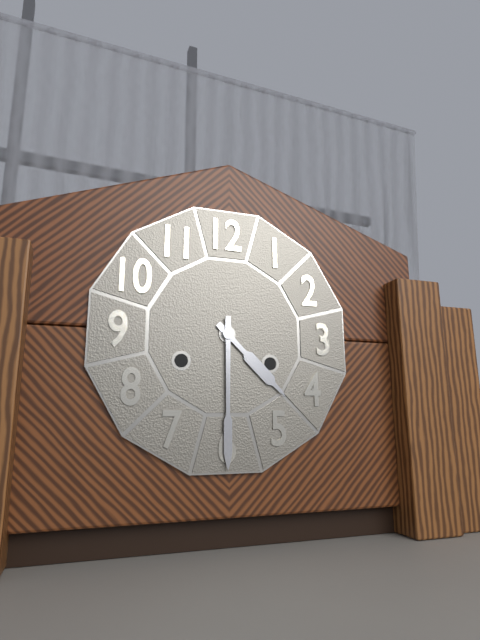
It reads **4:30**
